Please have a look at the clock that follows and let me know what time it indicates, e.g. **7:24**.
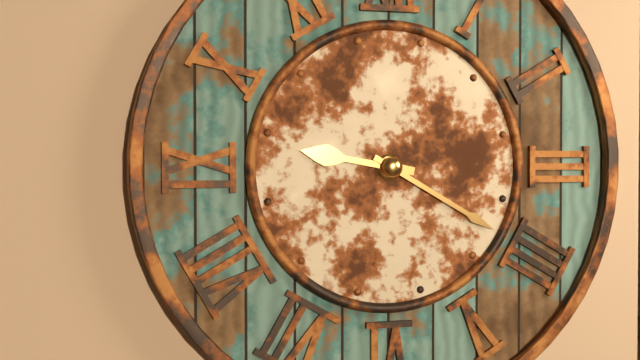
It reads **9:20**
